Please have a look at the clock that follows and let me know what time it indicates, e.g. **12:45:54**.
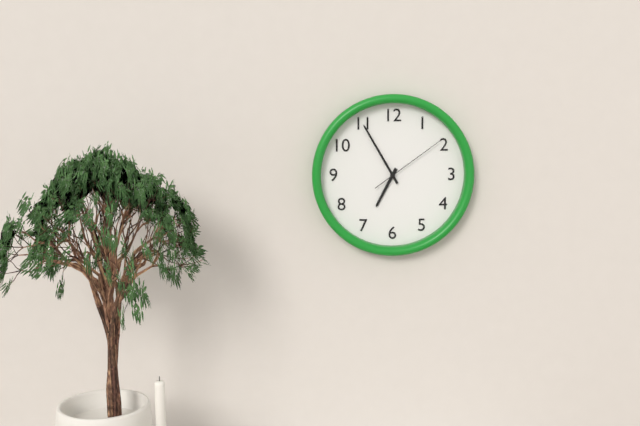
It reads **6:55:09**
